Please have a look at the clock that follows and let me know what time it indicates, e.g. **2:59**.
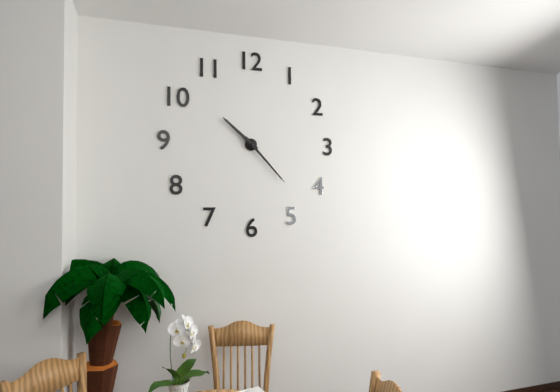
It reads **10:23**
